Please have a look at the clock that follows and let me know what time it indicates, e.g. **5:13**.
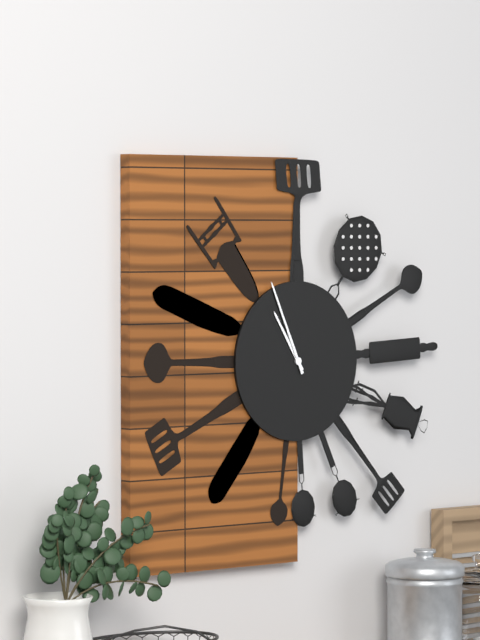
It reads **10:56**
